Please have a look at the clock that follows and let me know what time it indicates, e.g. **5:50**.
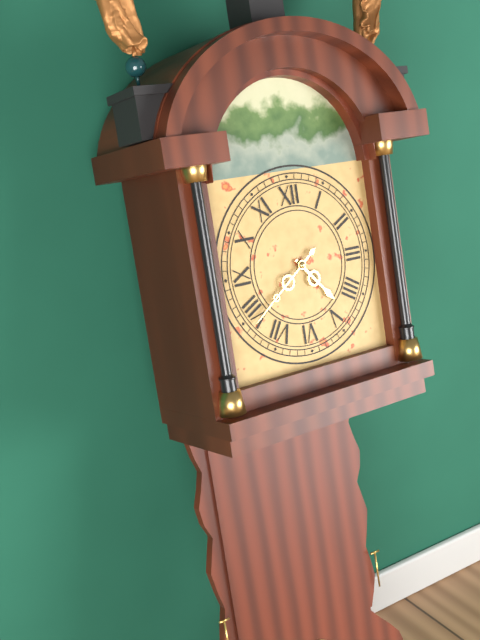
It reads **4:39**
